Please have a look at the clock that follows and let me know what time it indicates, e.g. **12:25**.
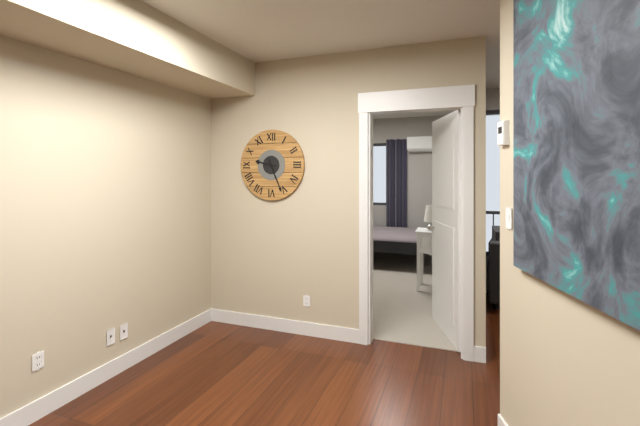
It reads **9:26**
